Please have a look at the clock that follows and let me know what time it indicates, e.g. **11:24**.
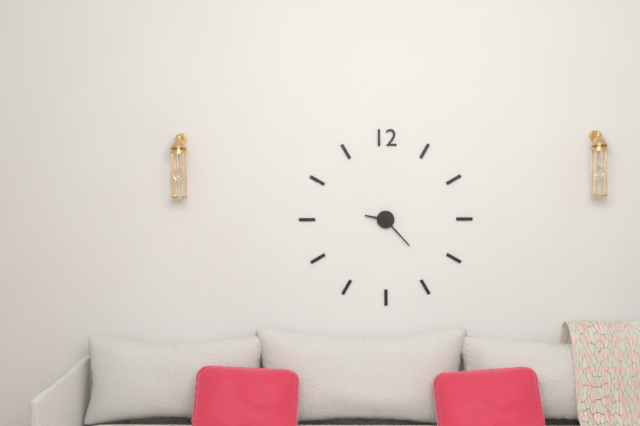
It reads **9:23**
